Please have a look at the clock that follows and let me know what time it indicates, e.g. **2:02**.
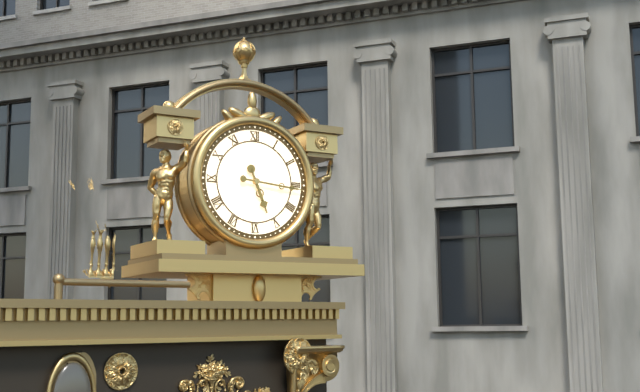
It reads **5:16**
